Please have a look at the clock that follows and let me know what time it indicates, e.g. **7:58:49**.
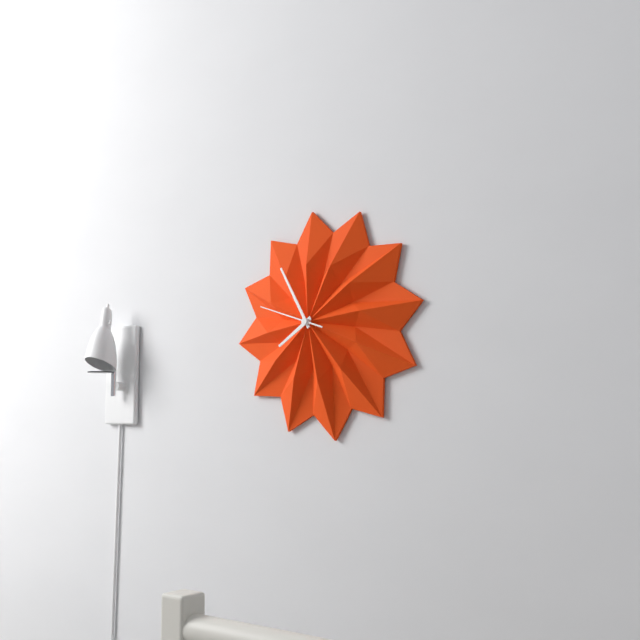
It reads **7:55:48**
